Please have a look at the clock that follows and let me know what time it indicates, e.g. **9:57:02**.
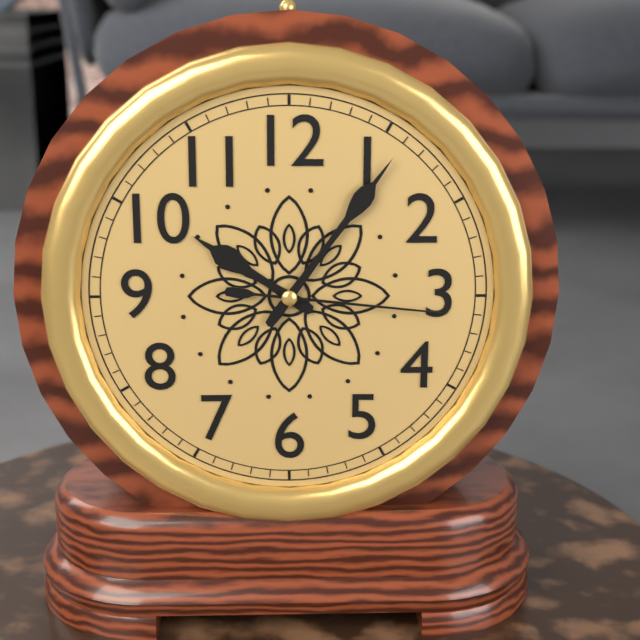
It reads **10:06:16**
